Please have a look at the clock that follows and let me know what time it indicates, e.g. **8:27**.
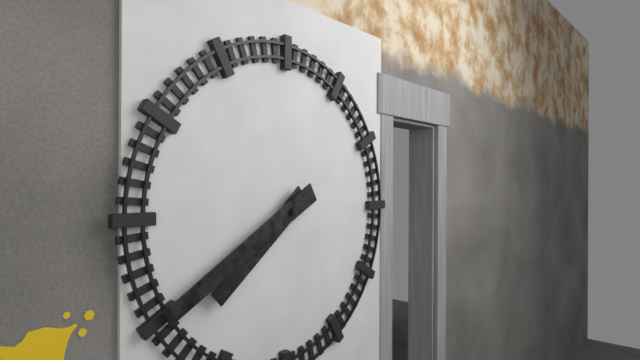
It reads **7:40**
